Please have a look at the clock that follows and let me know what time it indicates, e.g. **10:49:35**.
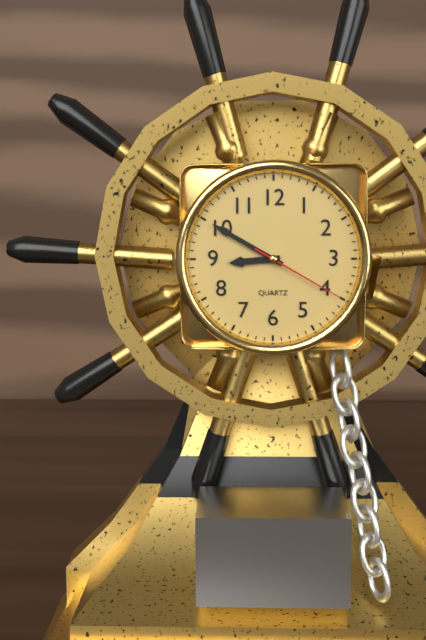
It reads **8:50:20**
